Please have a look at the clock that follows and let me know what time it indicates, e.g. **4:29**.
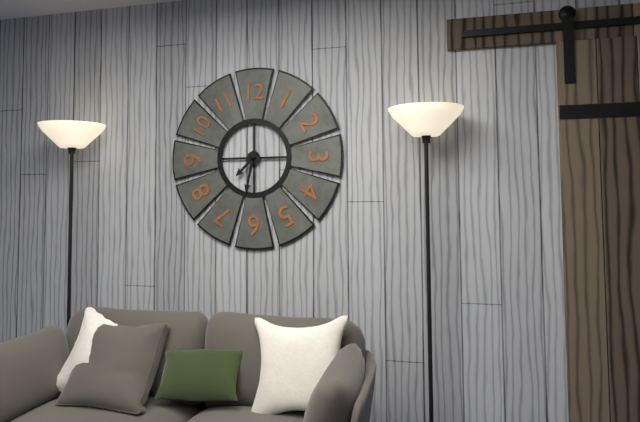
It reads **7:32**
